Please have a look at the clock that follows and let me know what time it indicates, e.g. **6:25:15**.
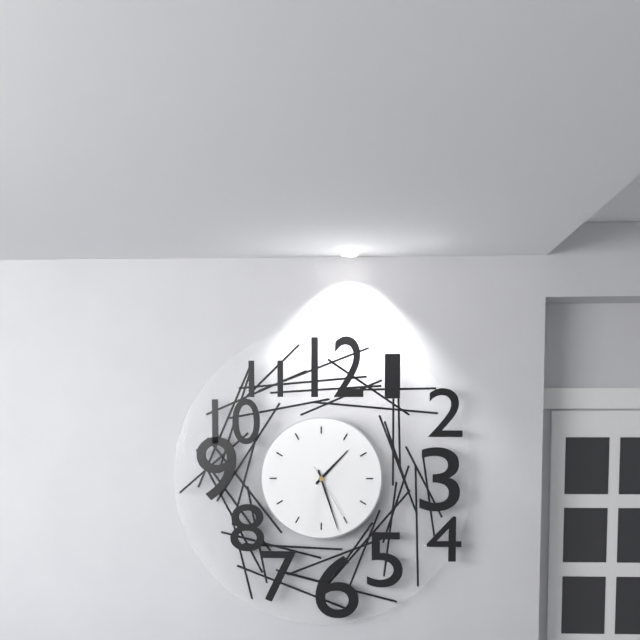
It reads **1:27:25**
